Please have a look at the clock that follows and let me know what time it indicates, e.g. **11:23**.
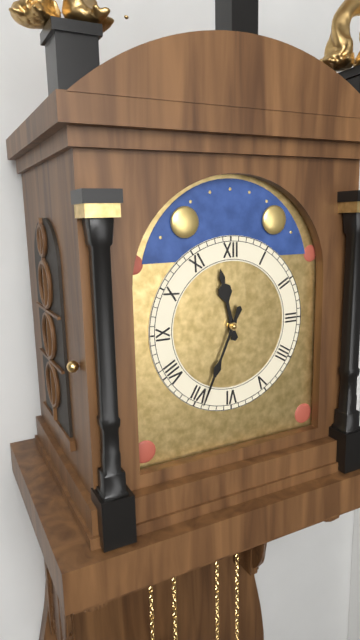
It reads **11:34**
